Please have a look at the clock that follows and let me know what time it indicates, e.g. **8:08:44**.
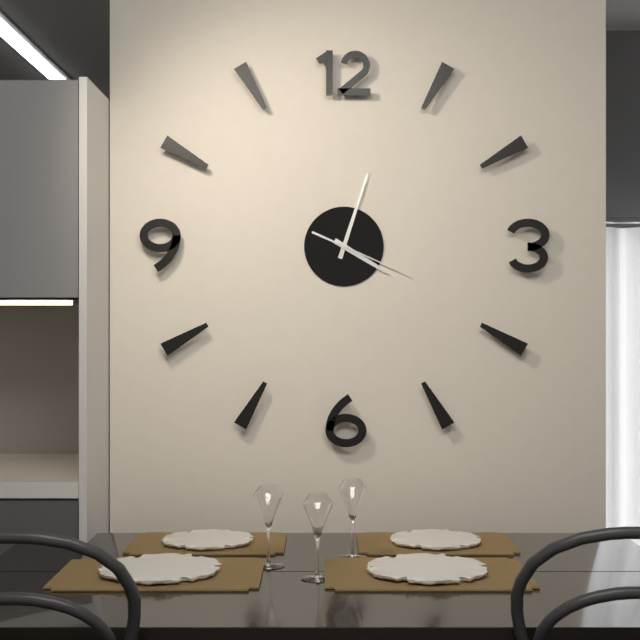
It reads **4:03:19**
